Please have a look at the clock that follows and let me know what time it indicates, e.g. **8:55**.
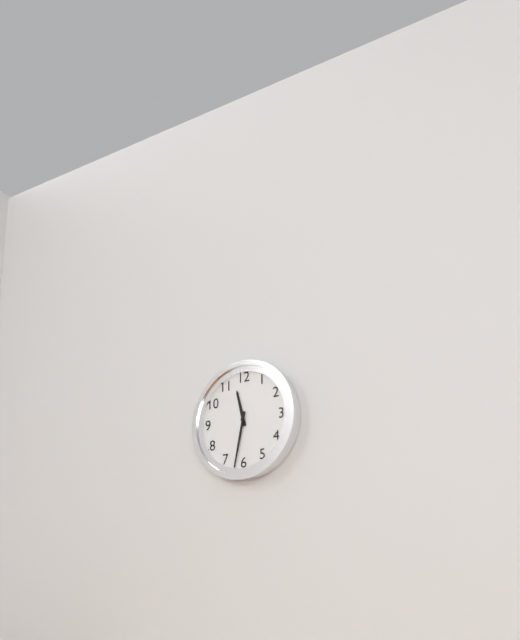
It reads **11:32**
